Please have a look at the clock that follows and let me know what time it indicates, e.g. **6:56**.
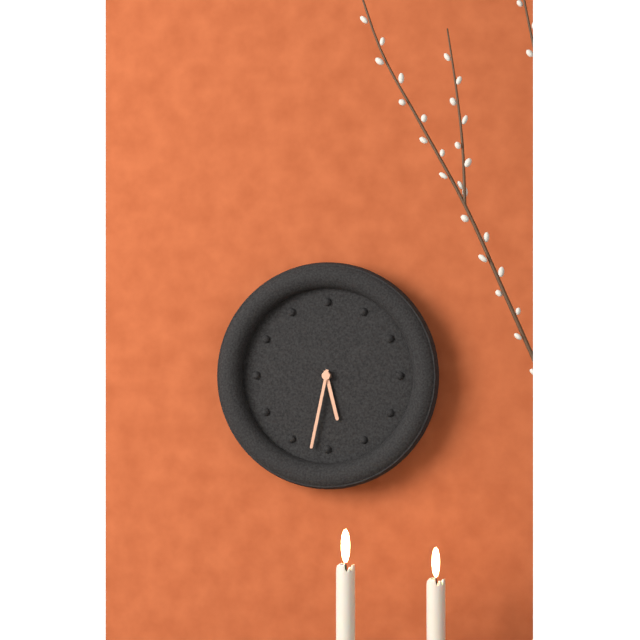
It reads **5:32**
